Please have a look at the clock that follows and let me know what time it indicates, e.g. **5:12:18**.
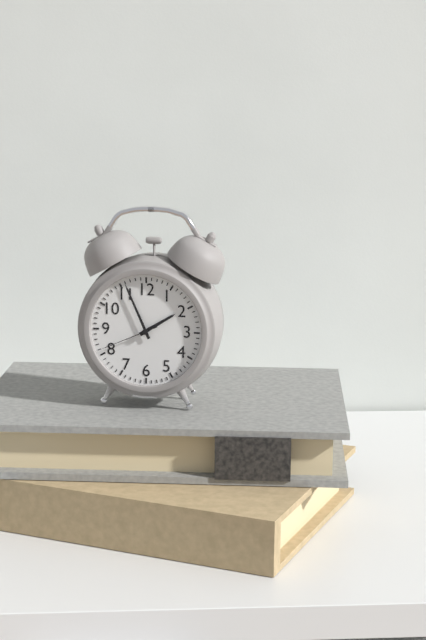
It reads **1:56:41**
